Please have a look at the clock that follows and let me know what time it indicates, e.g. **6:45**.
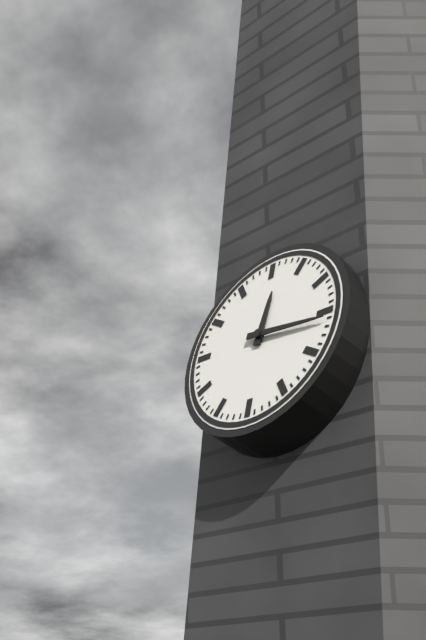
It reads **12:16**
